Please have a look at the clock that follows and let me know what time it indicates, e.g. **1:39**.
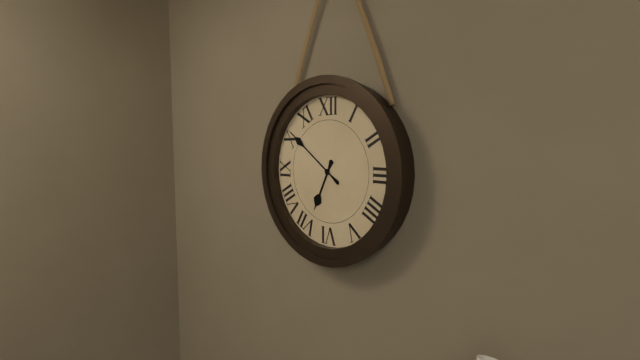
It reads **6:51**
